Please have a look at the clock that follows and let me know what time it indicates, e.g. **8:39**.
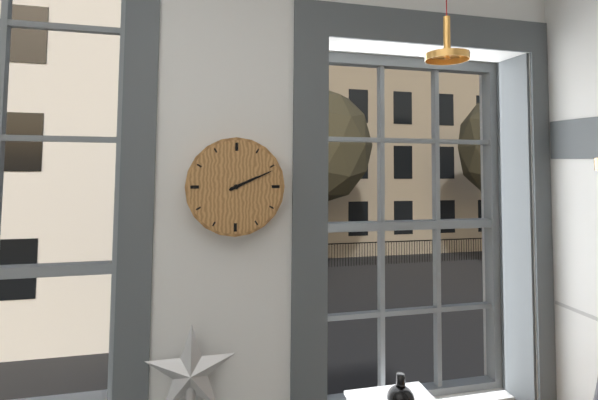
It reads **2:11**
